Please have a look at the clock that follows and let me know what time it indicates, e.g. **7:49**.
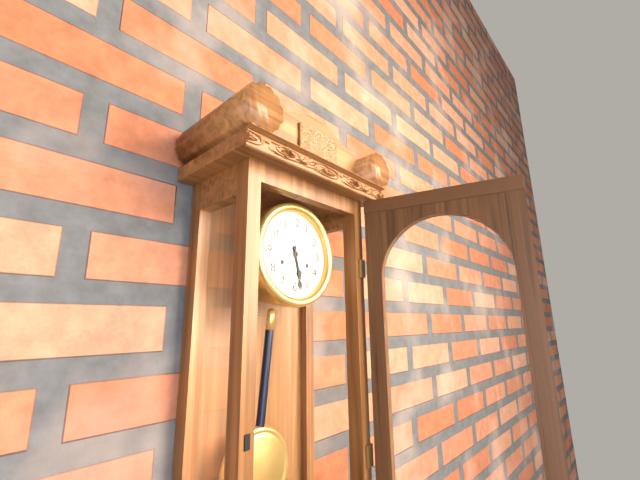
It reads **5:28**
